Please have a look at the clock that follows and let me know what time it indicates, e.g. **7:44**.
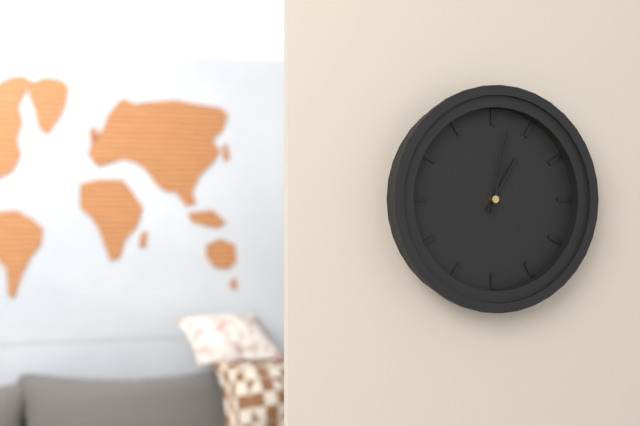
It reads **1:02**
